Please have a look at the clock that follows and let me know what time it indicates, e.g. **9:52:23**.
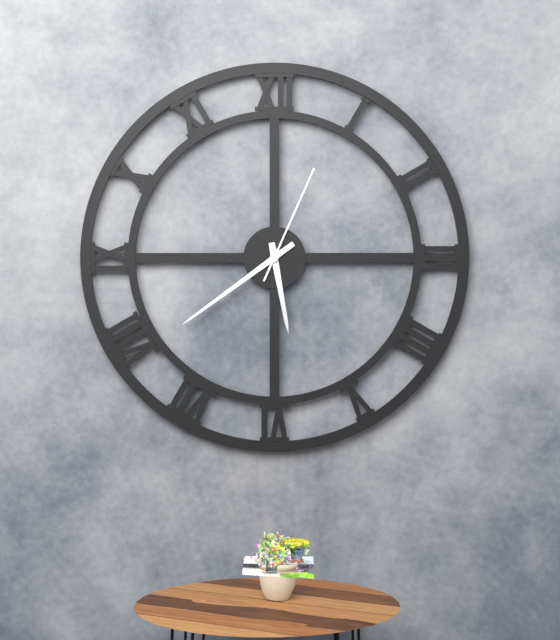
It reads **5:39:04**
